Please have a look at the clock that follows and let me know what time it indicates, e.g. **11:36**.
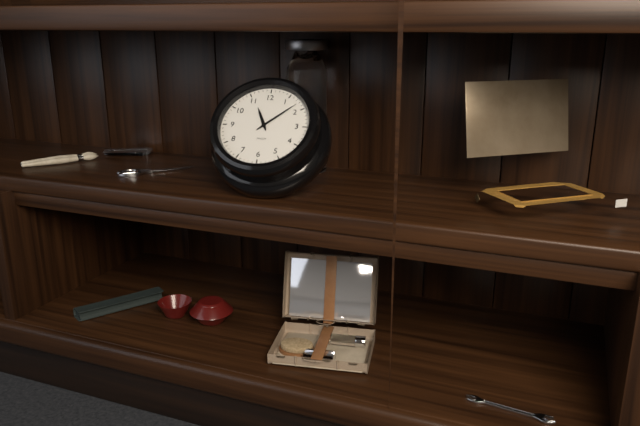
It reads **11:08**
